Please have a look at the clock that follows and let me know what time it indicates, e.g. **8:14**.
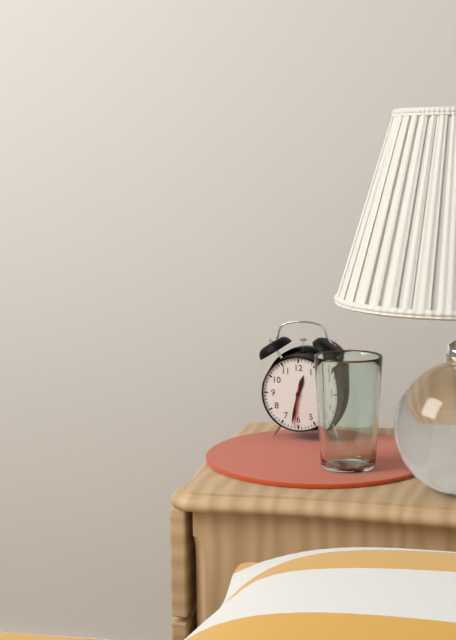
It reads **12:32**
